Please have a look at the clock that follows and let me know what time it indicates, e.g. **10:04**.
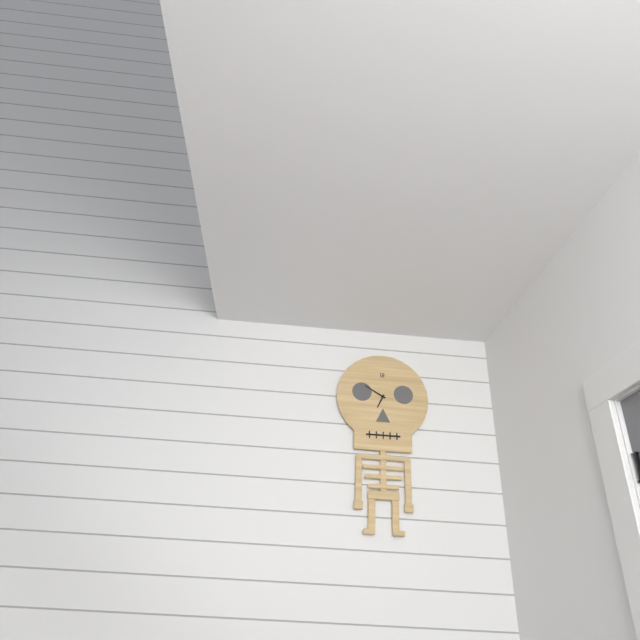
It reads **6:50**
